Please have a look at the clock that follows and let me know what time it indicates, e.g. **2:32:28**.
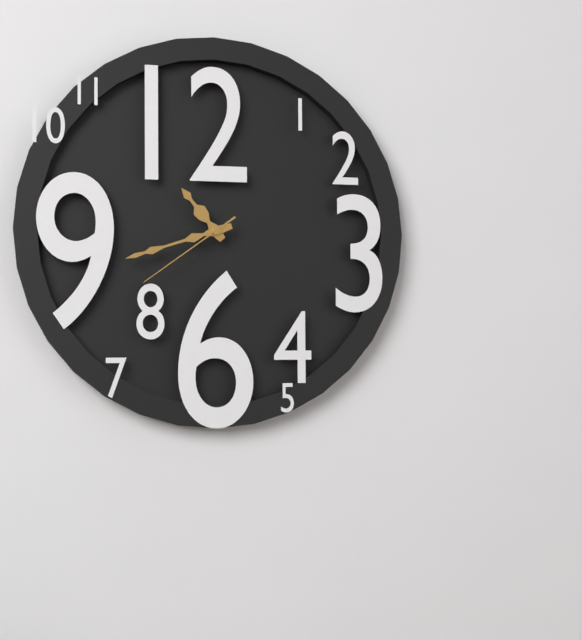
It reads **10:42:39**
